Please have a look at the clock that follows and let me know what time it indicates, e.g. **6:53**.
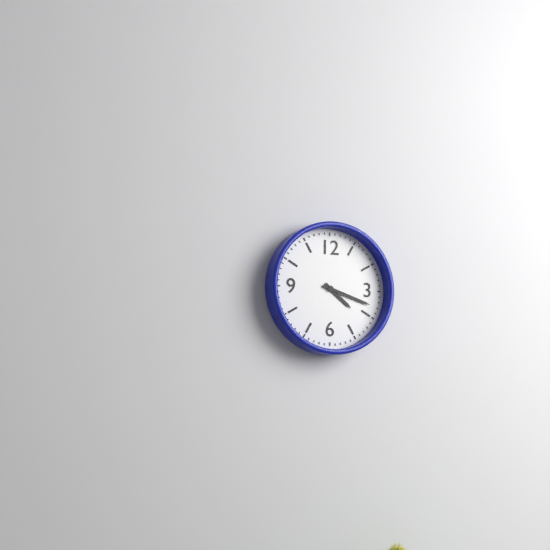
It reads **4:18**
